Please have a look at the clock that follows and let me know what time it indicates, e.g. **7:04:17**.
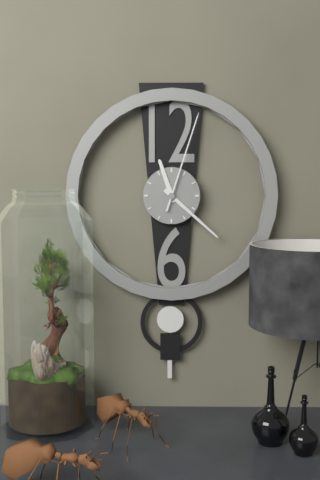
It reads **11:22:03**
